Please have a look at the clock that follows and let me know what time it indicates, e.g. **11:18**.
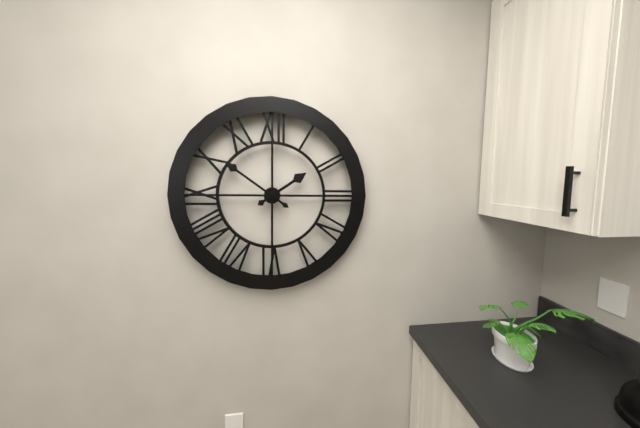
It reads **1:51**
